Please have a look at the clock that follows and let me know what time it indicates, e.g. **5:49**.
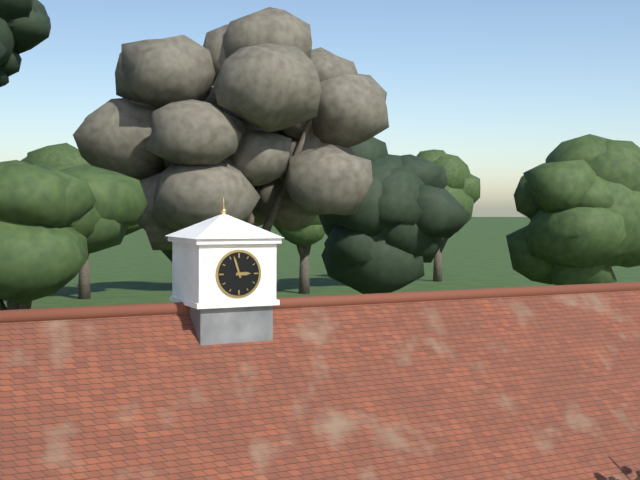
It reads **2:57**
